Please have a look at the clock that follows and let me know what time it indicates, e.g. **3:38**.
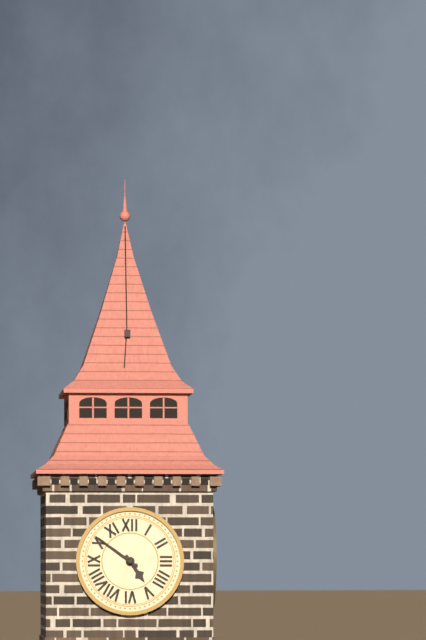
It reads **4:51**
